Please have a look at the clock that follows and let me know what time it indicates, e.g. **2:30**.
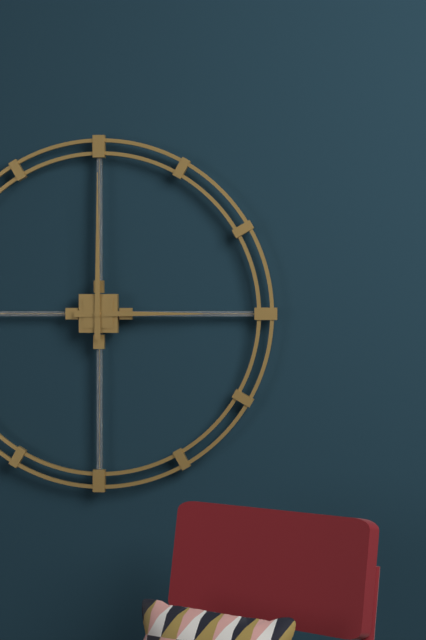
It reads **3:00**
